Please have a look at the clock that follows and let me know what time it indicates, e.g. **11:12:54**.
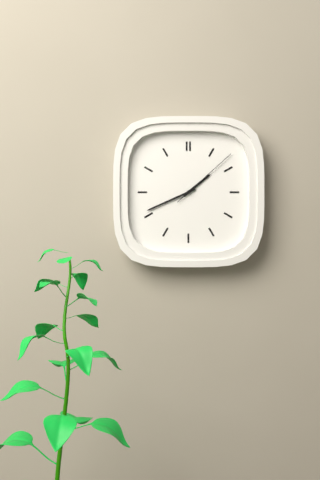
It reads **1:41:08**
